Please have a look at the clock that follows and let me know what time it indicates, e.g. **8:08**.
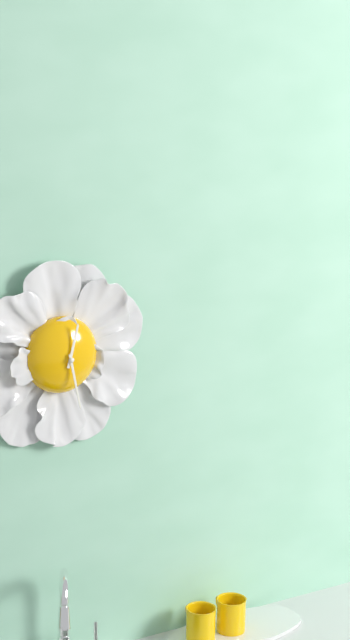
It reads **12:28**
